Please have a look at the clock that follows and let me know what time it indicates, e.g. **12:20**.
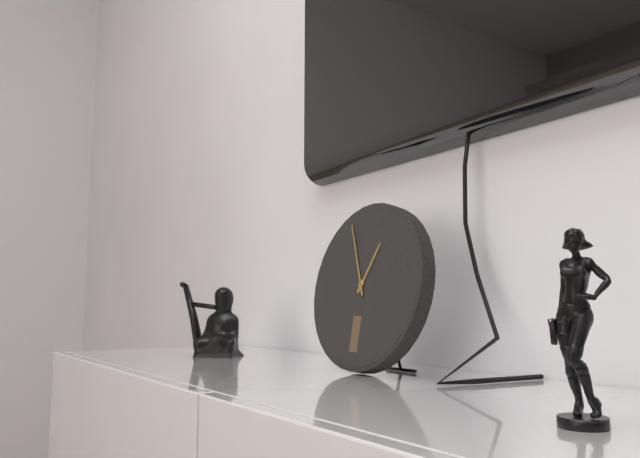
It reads **12:56**
